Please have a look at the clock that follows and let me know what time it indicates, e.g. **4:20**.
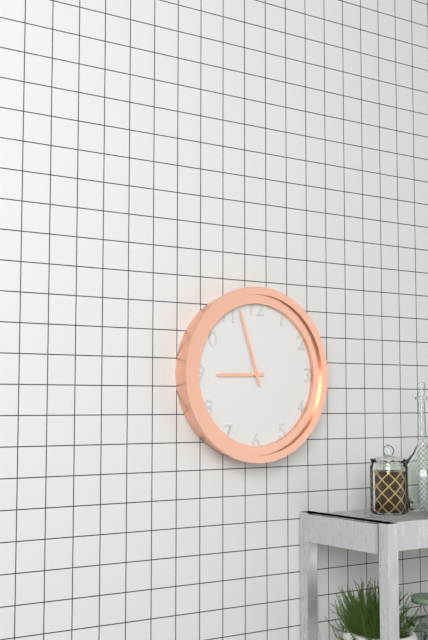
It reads **8:57**
